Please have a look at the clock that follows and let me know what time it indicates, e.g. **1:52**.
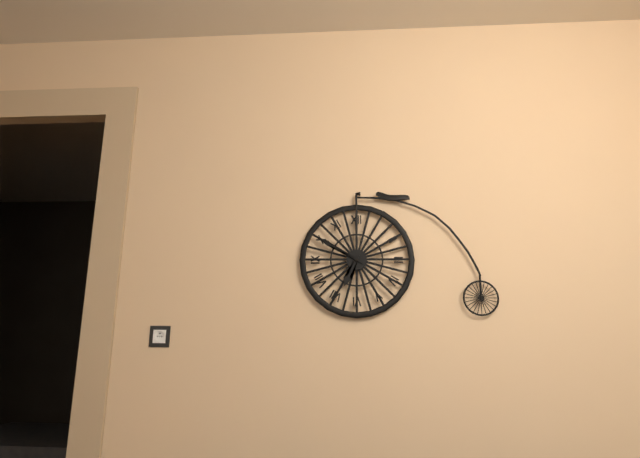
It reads **6:50**
